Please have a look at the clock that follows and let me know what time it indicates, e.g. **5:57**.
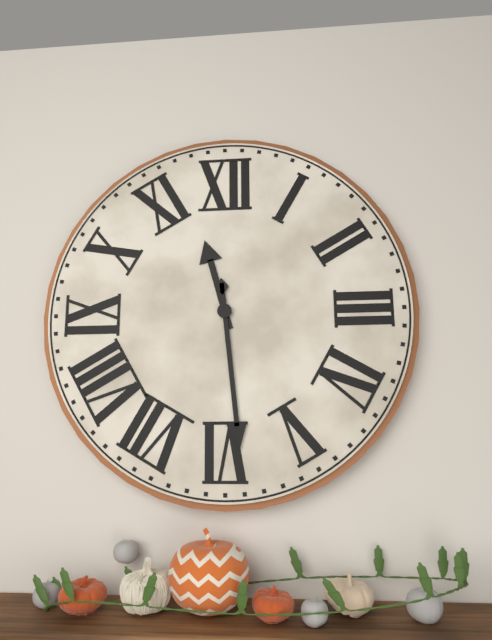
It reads **11:29**
